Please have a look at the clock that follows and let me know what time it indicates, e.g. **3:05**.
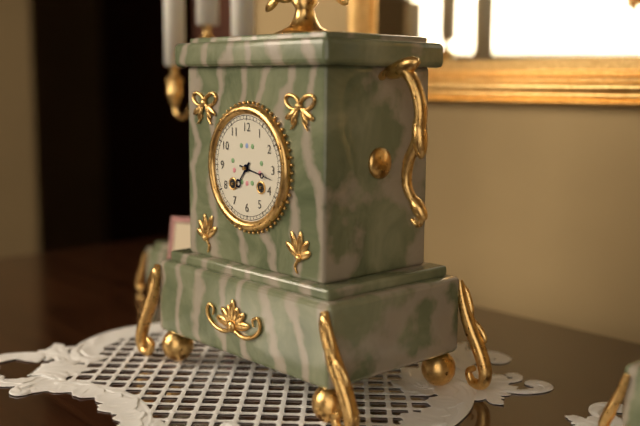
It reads **7:17**
